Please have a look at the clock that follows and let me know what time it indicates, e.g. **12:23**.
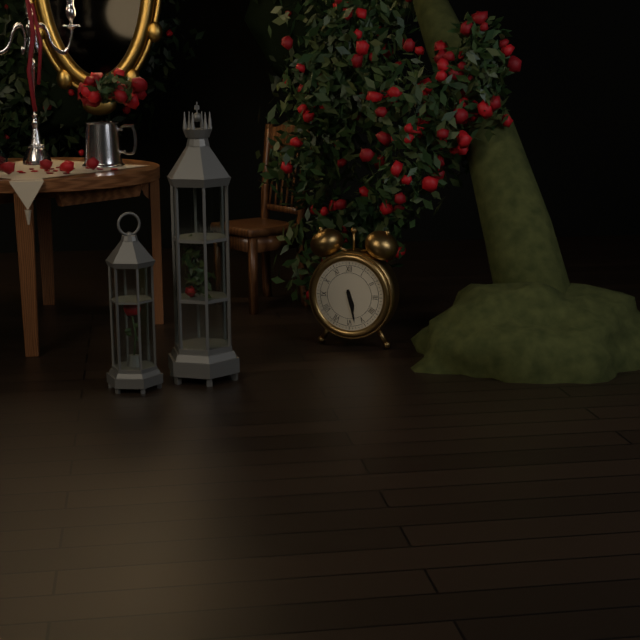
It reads **5:28**
